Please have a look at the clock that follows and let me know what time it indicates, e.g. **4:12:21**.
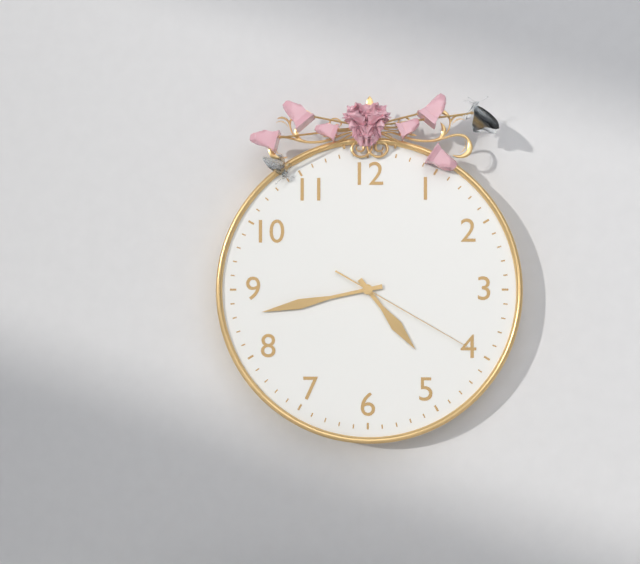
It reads **4:43:20**
